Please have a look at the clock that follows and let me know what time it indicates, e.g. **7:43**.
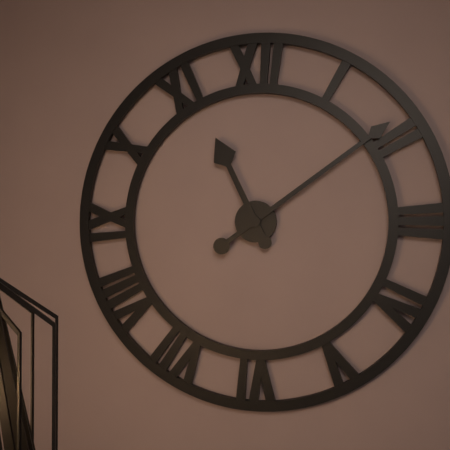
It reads **11:09**
